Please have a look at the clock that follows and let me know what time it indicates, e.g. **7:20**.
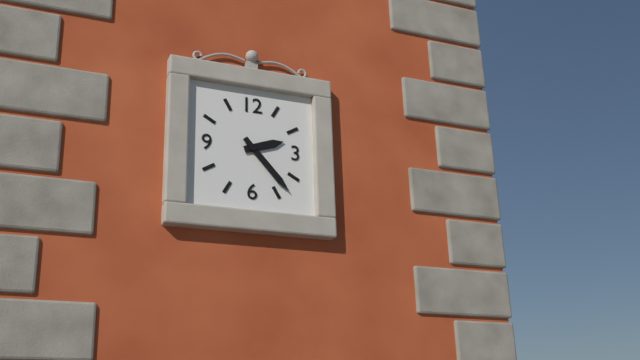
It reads **2:23**
